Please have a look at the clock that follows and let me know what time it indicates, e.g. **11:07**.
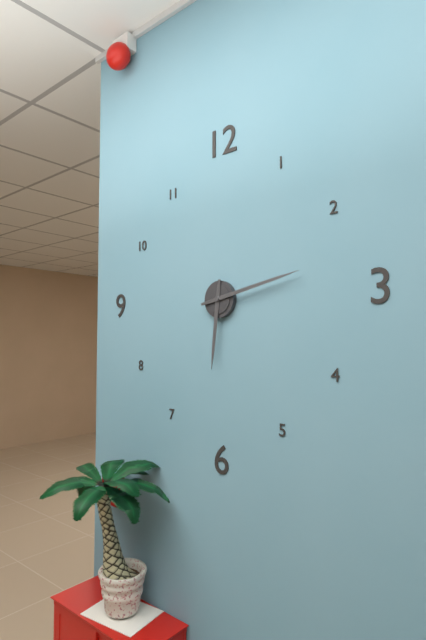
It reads **6:13**
